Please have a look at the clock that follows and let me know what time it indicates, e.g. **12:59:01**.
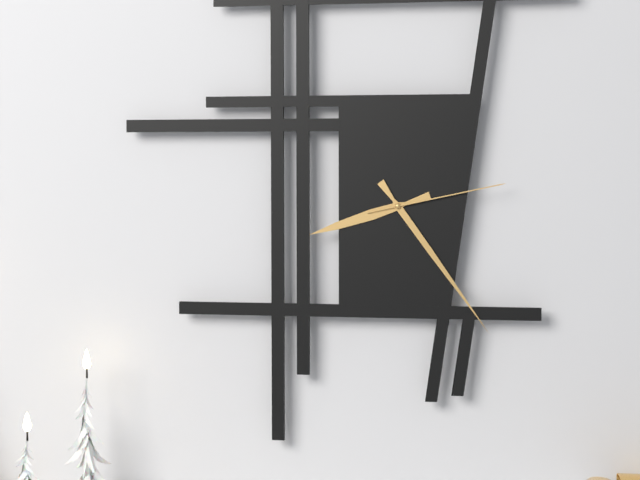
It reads **8:24:13**
